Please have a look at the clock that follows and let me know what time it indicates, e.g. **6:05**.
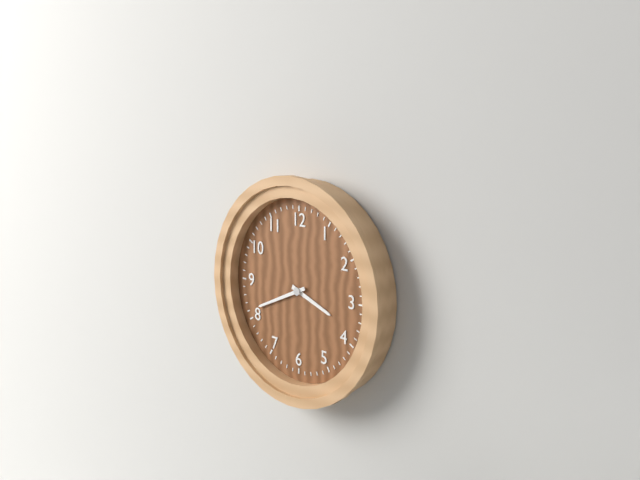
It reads **3:41**
